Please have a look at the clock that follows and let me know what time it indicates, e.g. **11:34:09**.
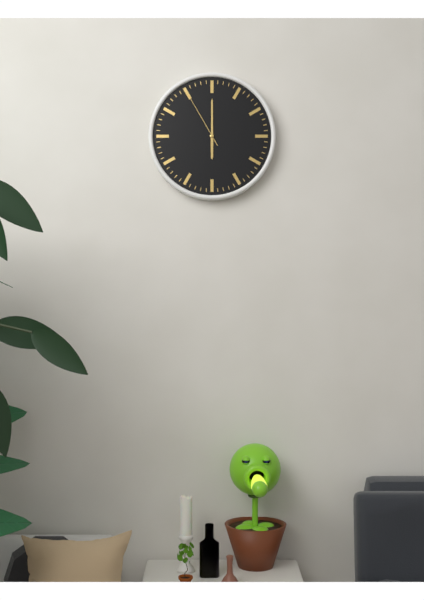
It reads **6:00:55**
